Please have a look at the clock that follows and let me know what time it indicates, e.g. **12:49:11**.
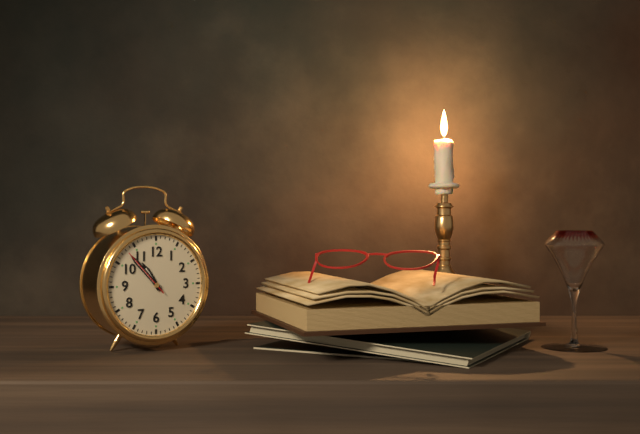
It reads **10:53:53**
